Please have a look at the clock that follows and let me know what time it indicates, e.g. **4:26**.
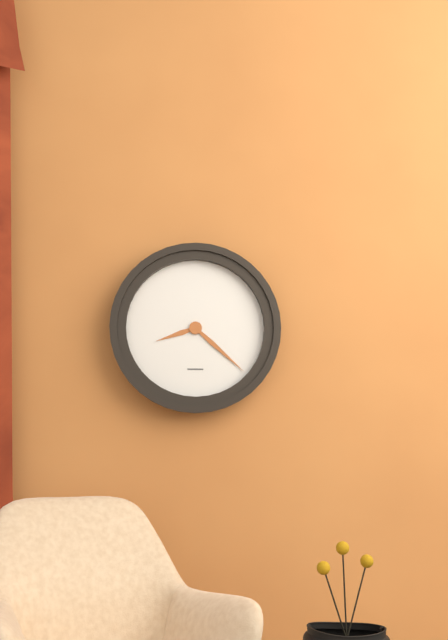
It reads **8:22**
